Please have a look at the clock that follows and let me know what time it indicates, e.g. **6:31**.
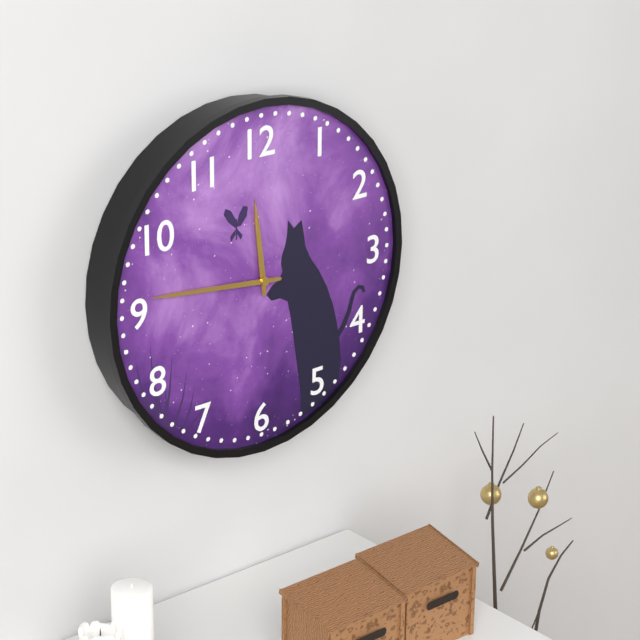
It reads **11:46**
